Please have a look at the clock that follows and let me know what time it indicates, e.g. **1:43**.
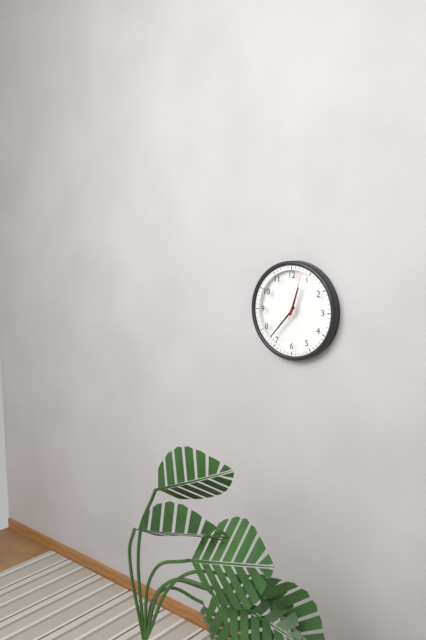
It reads **12:37**
